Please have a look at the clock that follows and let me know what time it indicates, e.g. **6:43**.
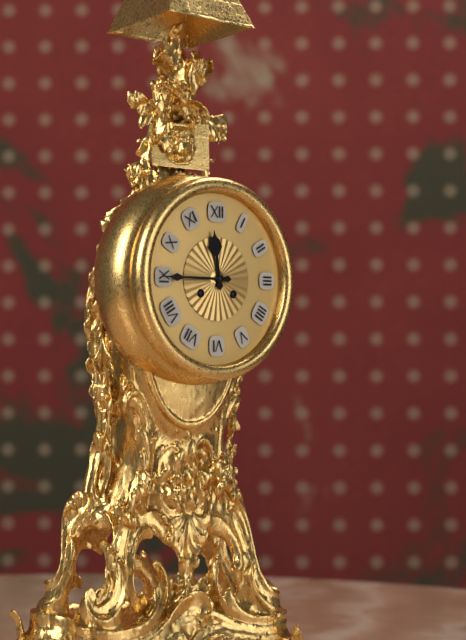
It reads **11:45**
